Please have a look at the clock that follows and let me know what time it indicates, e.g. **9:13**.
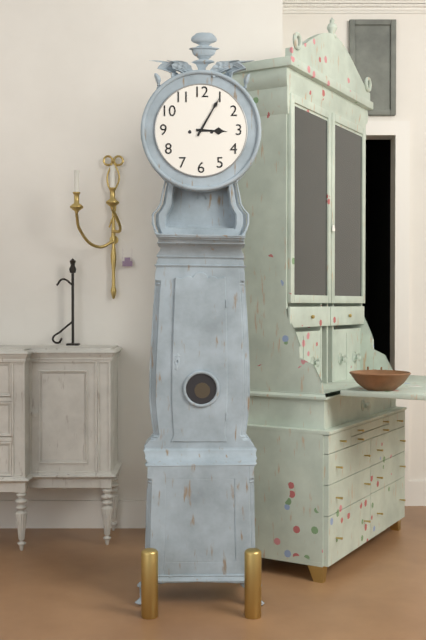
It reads **3:05**
